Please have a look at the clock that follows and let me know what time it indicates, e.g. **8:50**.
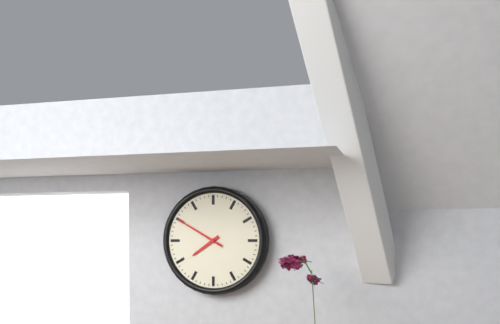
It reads **7:50**
